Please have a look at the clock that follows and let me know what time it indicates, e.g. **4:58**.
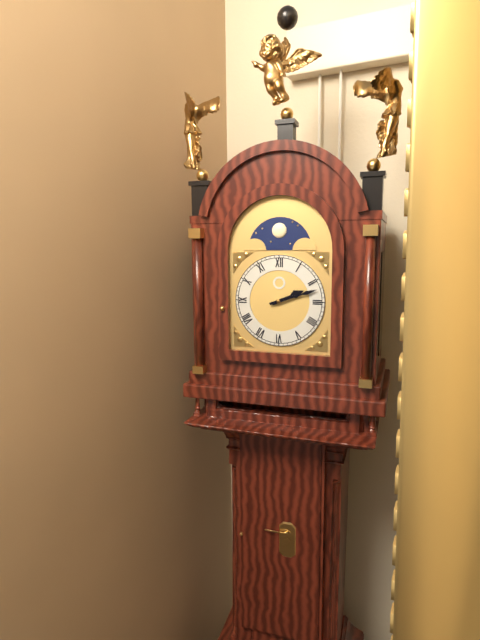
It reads **2:12**
